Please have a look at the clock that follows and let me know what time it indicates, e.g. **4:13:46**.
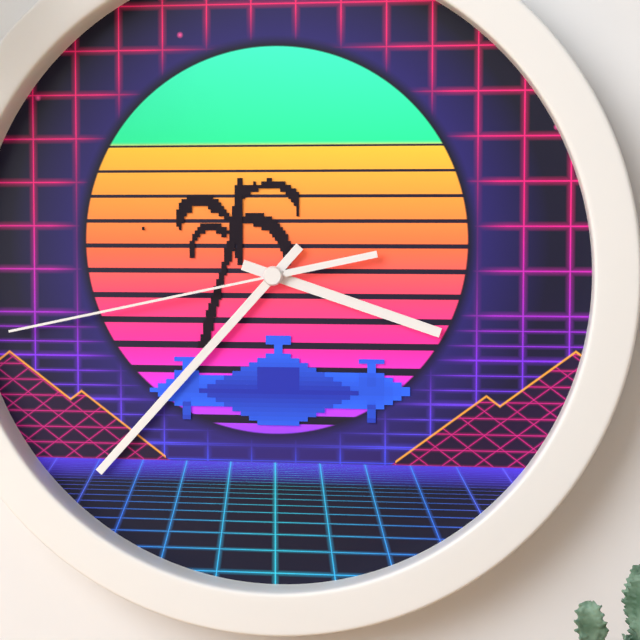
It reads **3:37:43**
